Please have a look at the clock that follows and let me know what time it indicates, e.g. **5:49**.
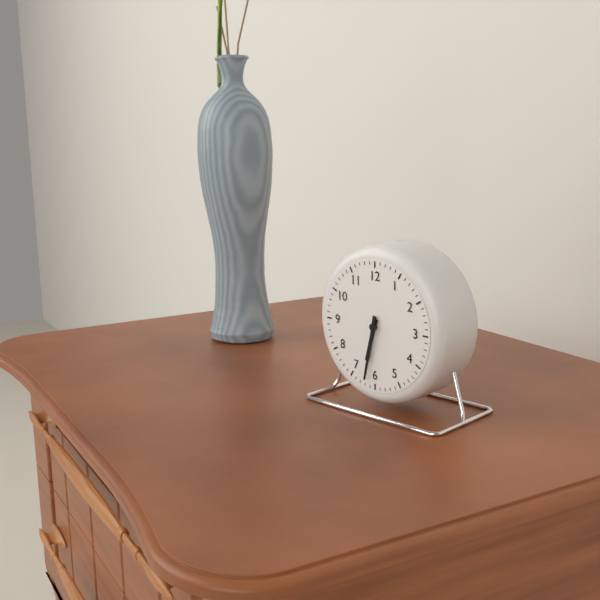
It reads **6:32**
